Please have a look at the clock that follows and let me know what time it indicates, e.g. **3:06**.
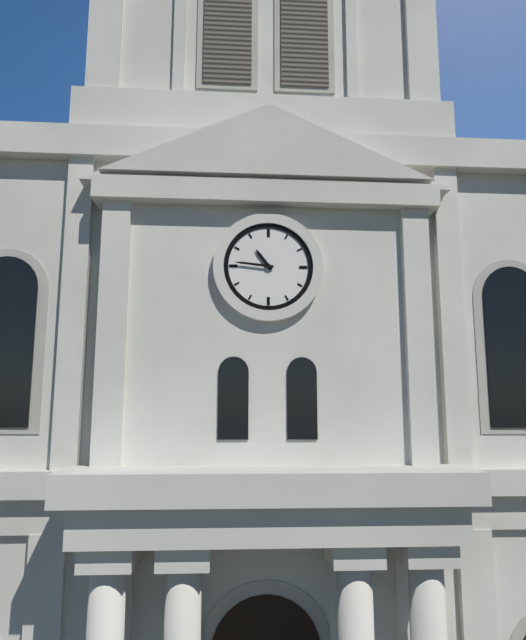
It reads **10:46**
